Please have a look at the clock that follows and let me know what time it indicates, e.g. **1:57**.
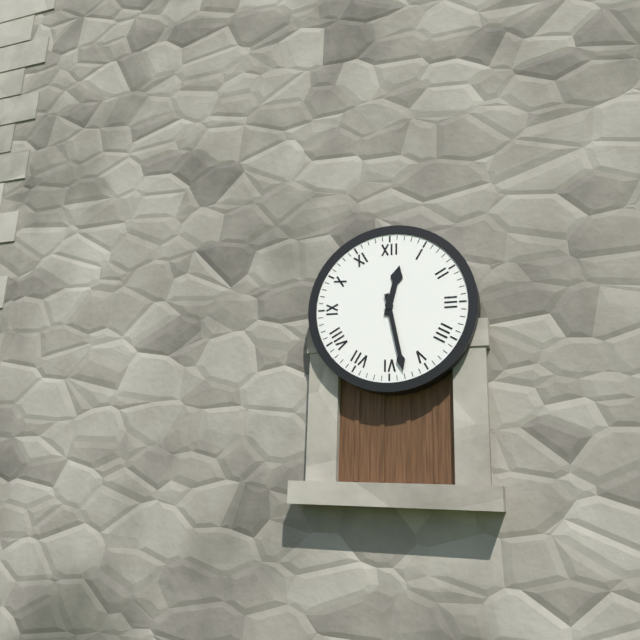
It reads **12:28**
